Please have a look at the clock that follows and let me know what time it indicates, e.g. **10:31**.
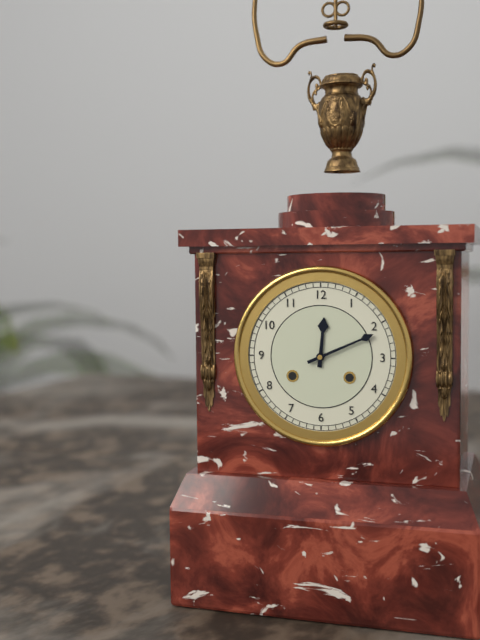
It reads **12:11**
